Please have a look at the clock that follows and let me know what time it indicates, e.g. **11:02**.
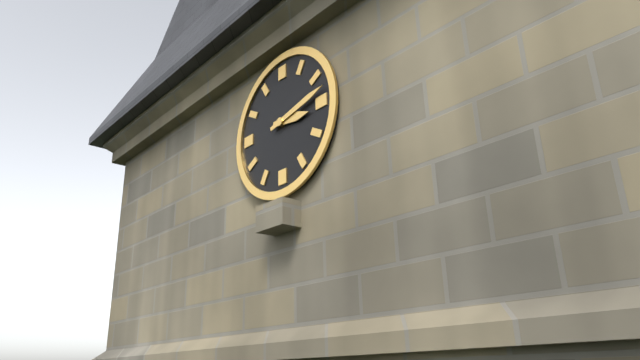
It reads **3:13**
